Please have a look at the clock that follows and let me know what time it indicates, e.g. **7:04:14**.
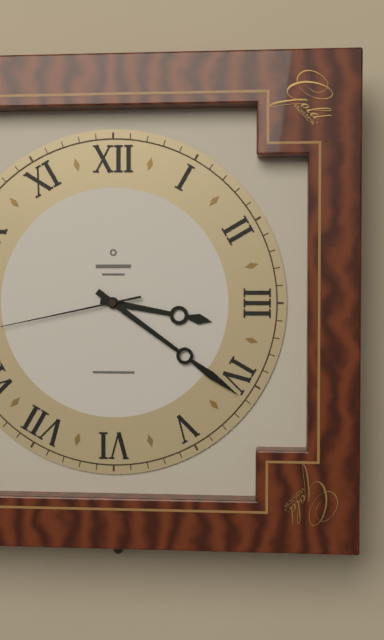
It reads **3:21:43**
